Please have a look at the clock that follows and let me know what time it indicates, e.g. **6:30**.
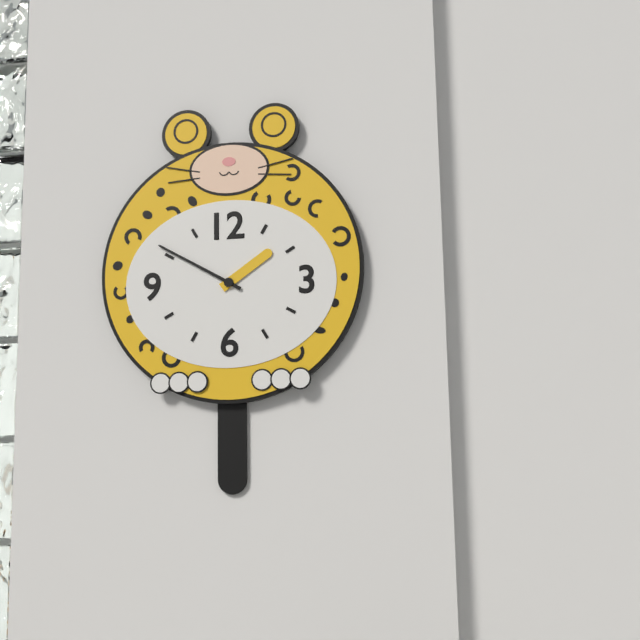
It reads **1:50**
